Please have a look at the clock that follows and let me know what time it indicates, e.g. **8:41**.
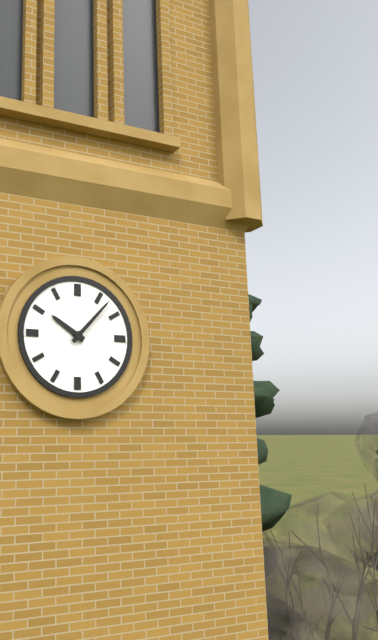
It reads **10:07**
